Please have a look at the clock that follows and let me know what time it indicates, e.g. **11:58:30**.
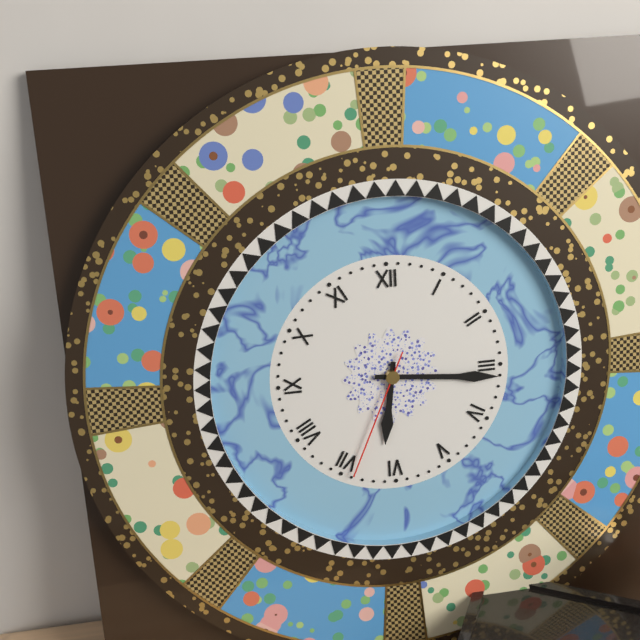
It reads **6:16:34**
